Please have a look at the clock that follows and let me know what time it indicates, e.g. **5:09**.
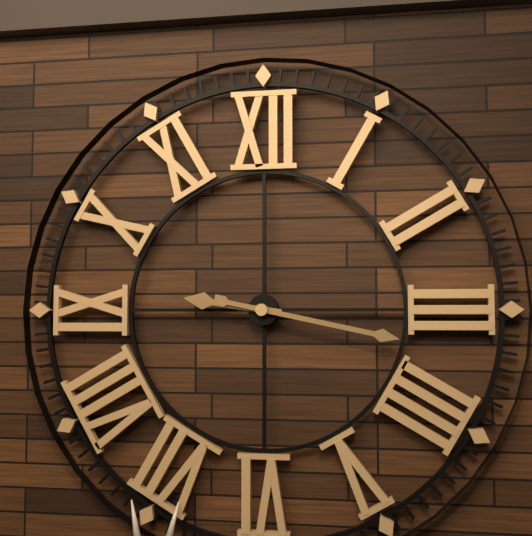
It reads **9:17**
